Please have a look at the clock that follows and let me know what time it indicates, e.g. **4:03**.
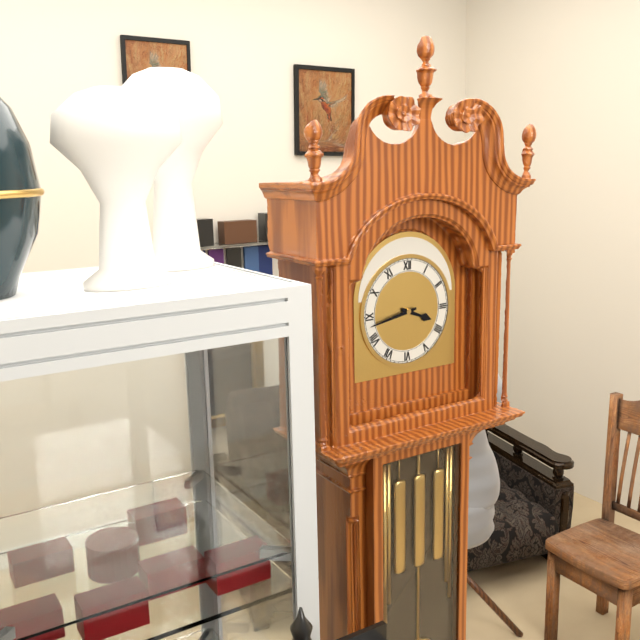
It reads **3:43**
